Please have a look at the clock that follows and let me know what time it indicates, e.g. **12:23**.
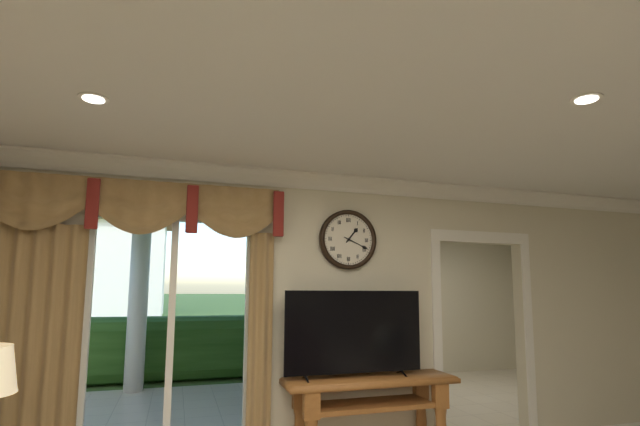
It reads **1:19**
